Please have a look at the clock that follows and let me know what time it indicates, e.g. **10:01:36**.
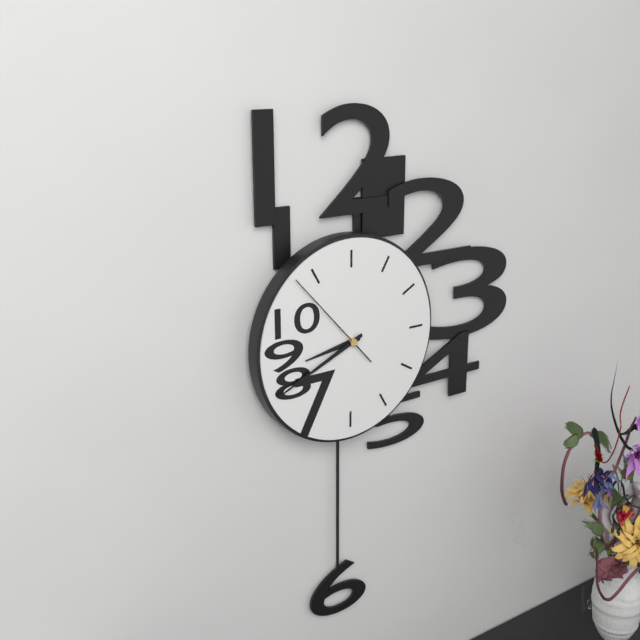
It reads **8:41:53**
